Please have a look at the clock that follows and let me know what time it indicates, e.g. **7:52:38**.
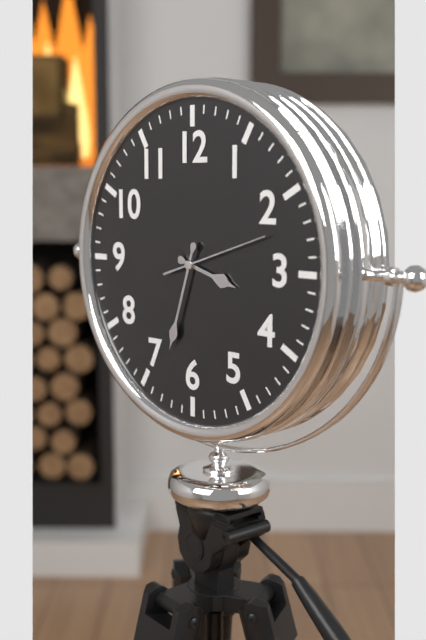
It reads **3:33:12**
